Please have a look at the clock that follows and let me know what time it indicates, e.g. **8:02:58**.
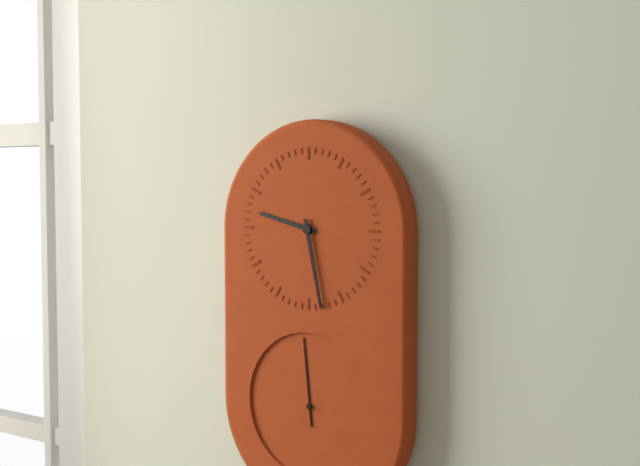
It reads **9:28:59**
